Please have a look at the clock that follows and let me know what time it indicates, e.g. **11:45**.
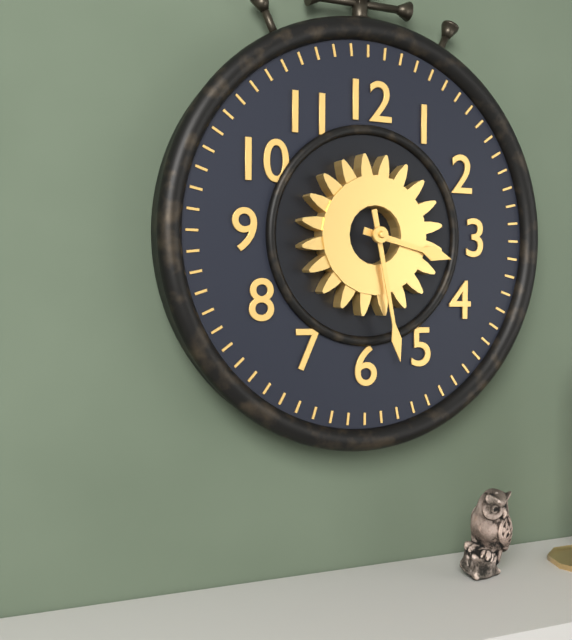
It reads **3:28**
